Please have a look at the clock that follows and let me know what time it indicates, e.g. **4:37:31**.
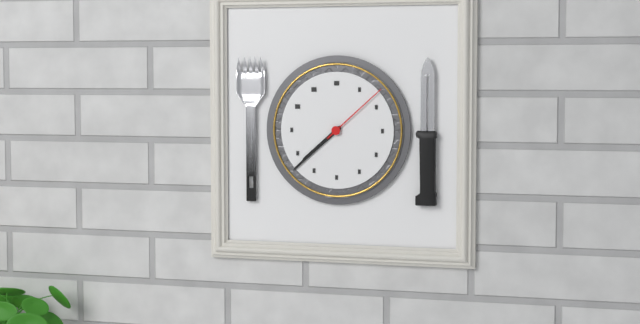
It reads **7:38:08**
